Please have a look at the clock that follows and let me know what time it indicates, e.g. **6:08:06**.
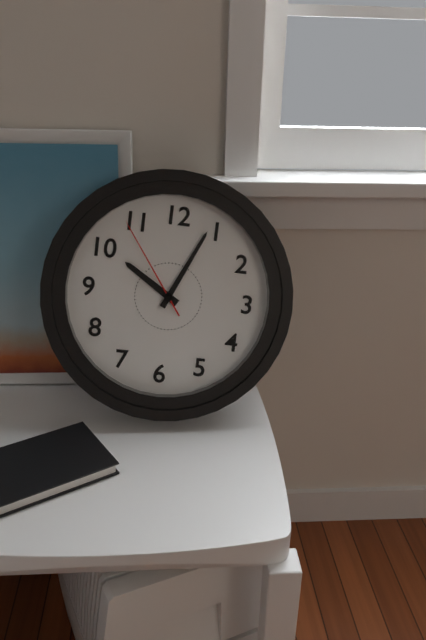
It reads **10:04:54**
